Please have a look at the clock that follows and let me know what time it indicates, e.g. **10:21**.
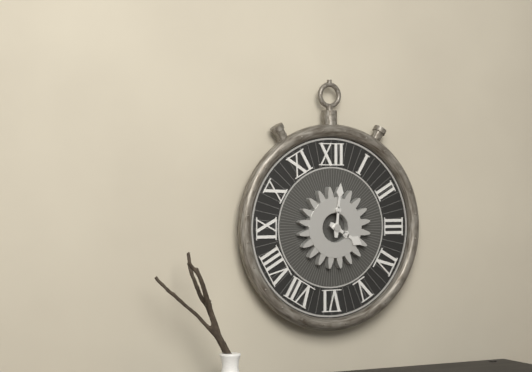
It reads **4:01**
